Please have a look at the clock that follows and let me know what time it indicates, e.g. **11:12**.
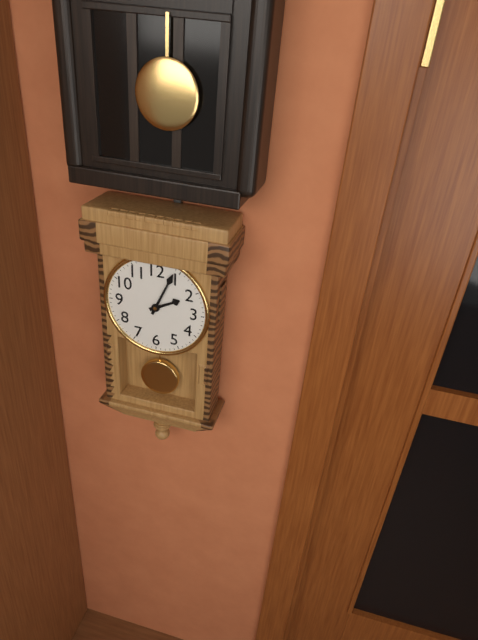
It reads **2:04**
